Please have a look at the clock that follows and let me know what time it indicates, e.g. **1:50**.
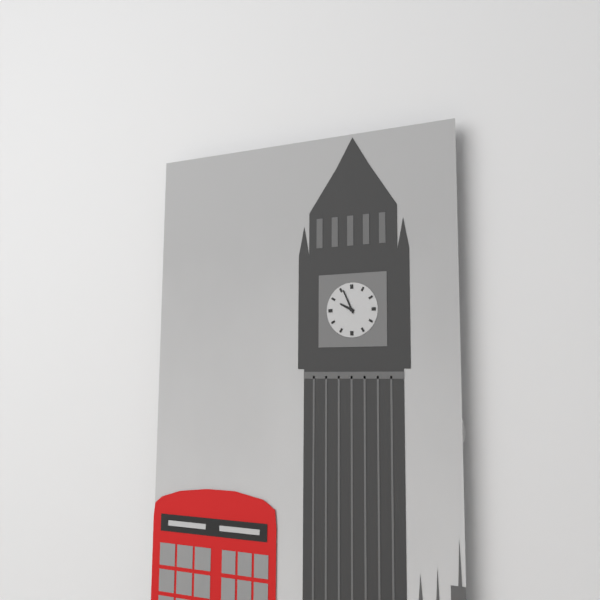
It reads **9:56**
